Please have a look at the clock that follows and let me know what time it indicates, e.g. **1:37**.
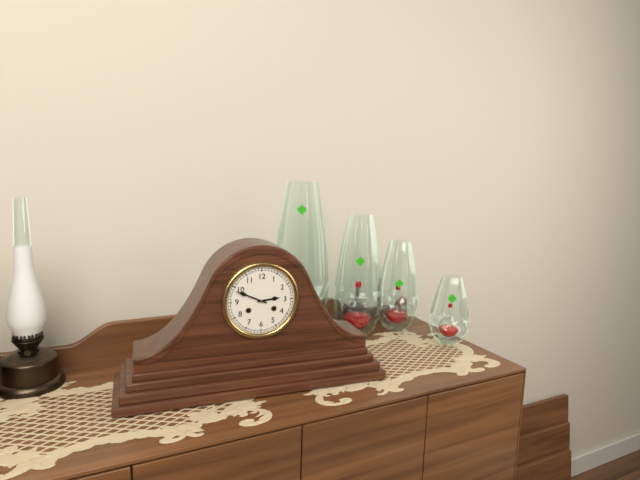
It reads **2:49**
